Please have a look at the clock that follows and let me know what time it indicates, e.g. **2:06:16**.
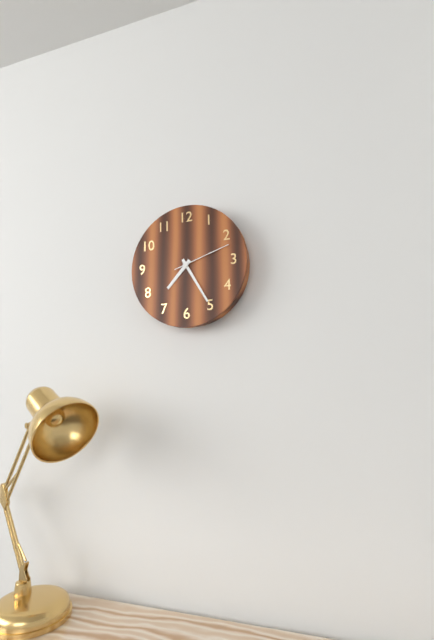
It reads **7:25:12**
